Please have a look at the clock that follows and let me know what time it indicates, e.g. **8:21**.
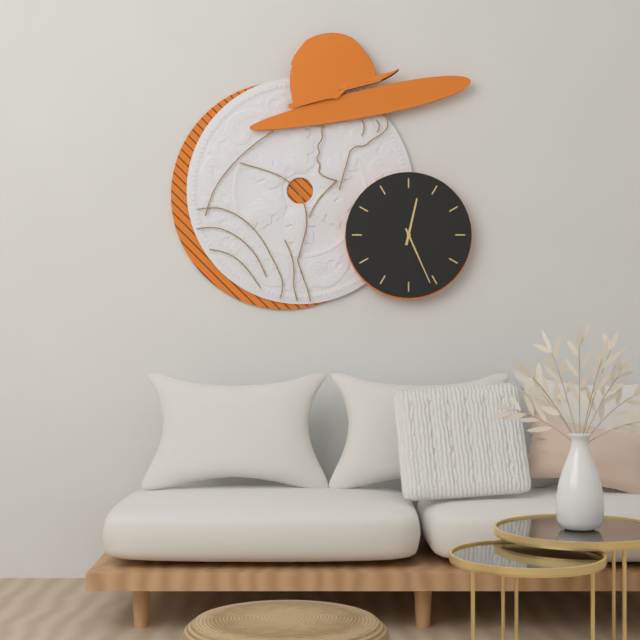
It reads **12:26**
